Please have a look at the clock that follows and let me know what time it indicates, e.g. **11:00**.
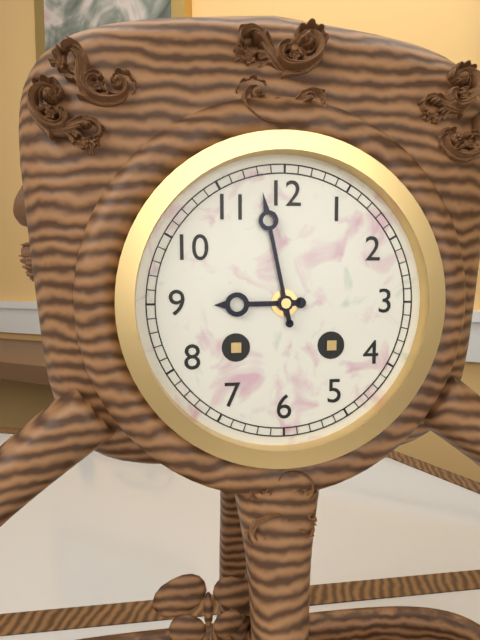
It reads **8:58**
